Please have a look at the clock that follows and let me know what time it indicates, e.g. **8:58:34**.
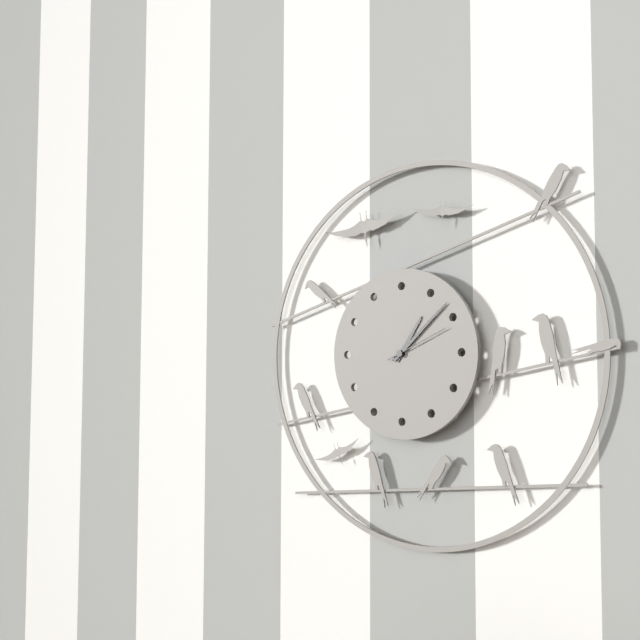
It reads **1:08:11**
